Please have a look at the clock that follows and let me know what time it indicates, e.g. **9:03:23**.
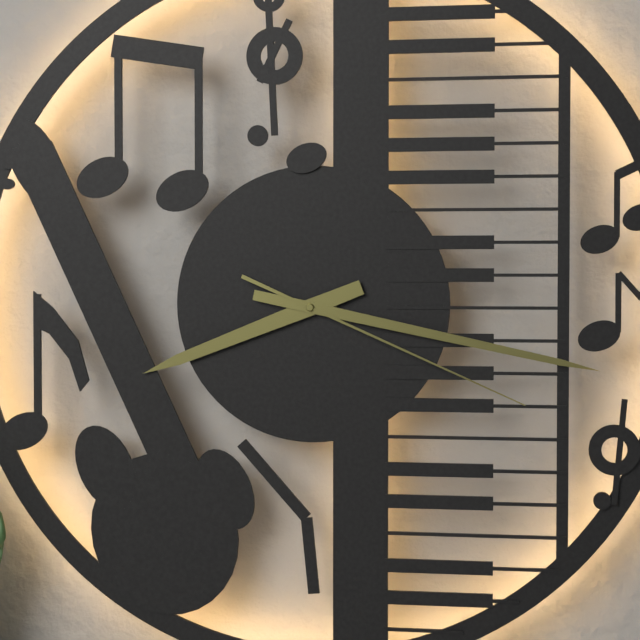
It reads **8:17:19**
